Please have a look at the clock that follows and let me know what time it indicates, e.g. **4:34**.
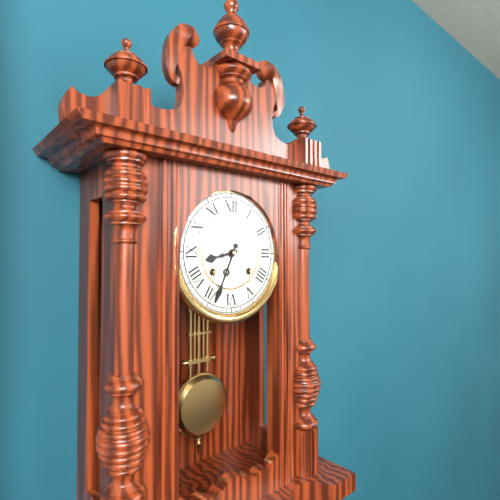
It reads **8:34**
